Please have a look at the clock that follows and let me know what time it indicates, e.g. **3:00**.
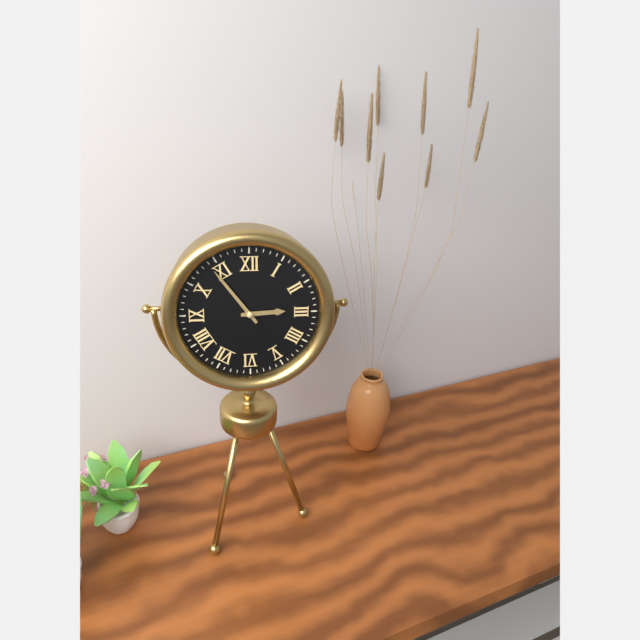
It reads **2:54**
